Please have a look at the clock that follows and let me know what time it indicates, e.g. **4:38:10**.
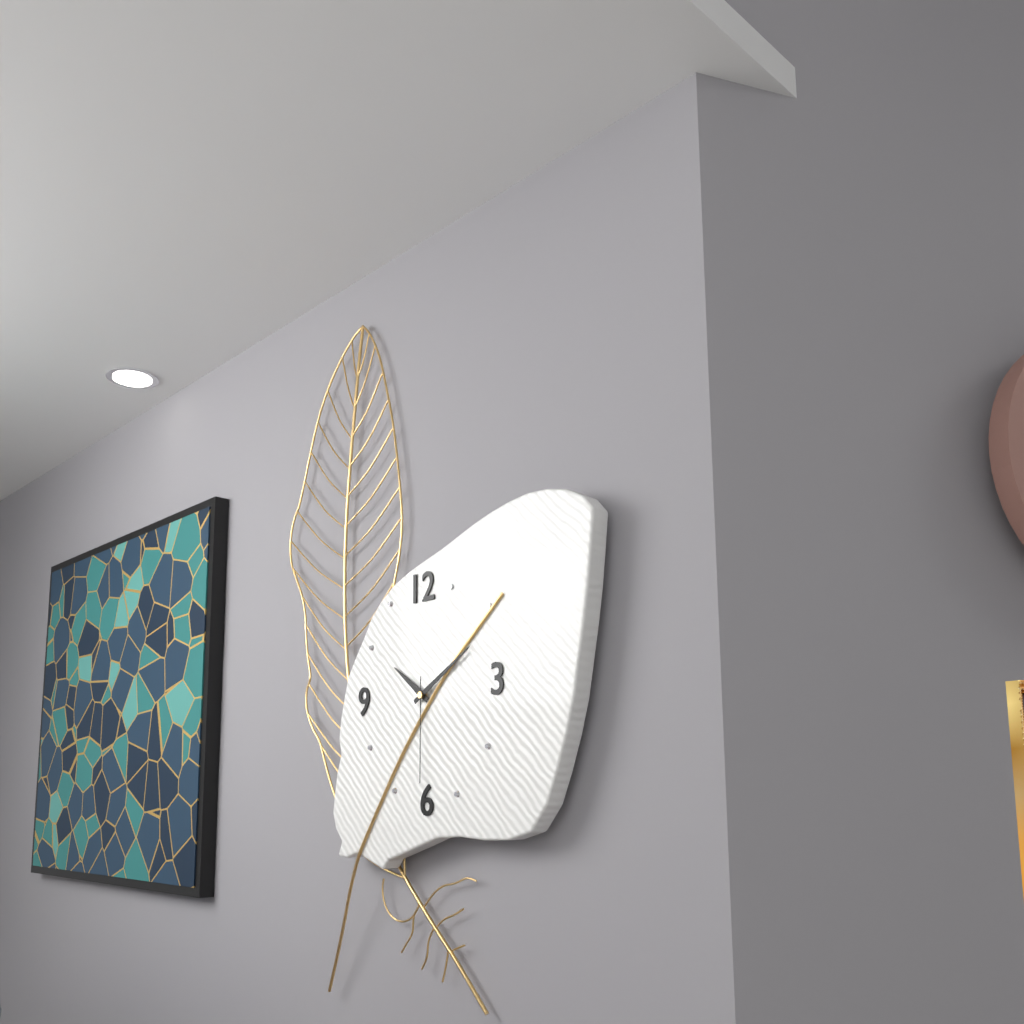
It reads **10:10:30**
